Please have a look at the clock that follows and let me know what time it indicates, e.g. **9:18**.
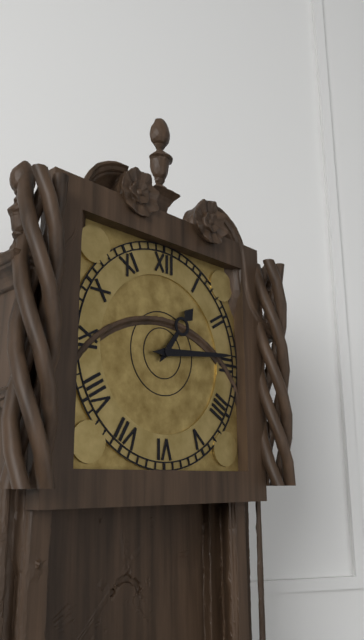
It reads **1:14**
